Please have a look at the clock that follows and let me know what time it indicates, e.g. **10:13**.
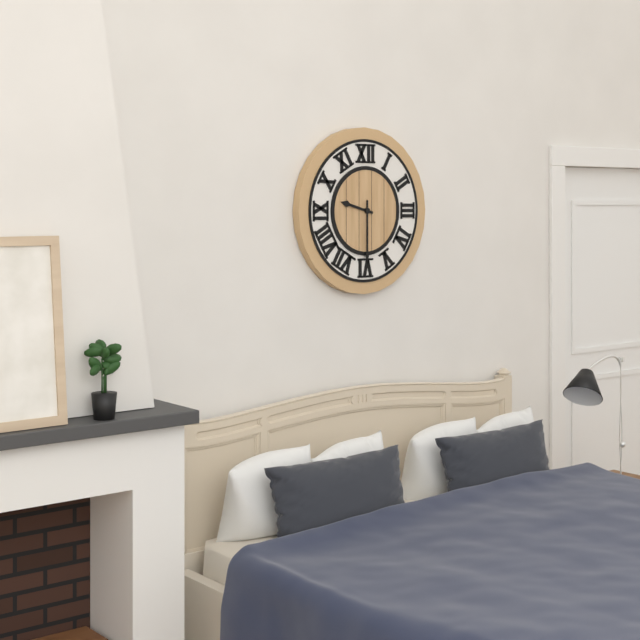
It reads **9:30**
